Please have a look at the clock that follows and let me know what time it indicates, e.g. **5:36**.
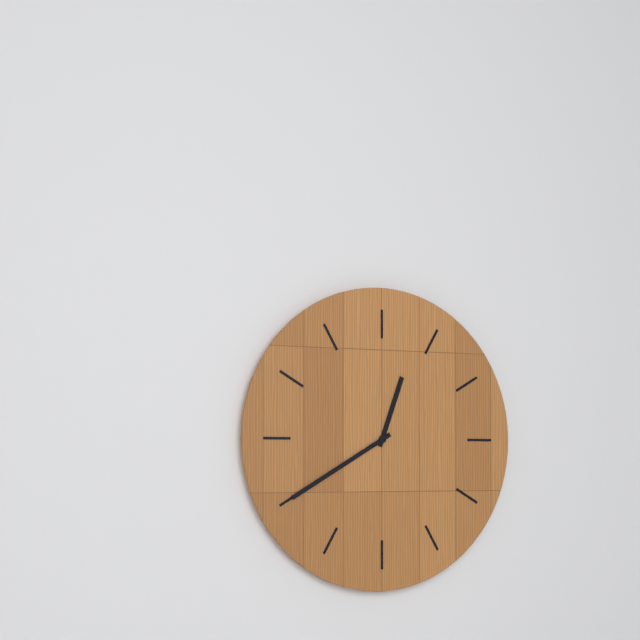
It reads **12:40**
